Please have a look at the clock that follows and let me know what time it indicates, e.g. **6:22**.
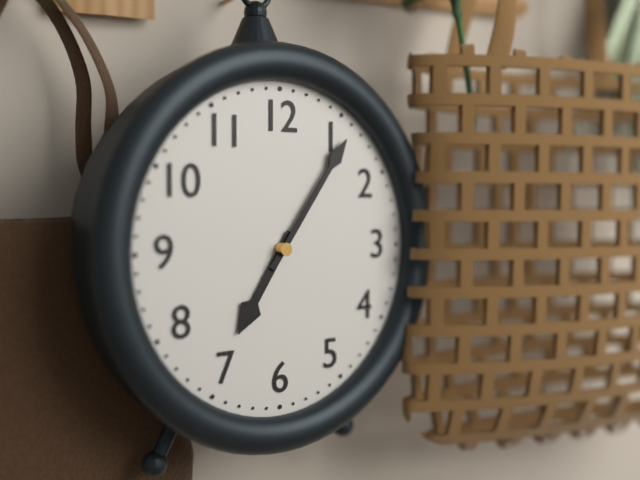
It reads **7:06**
